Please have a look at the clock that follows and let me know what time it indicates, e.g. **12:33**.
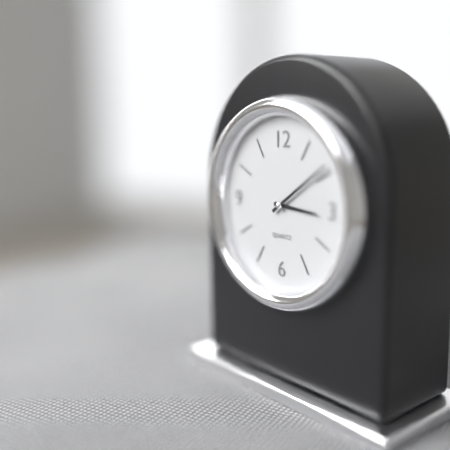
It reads **3:09**
